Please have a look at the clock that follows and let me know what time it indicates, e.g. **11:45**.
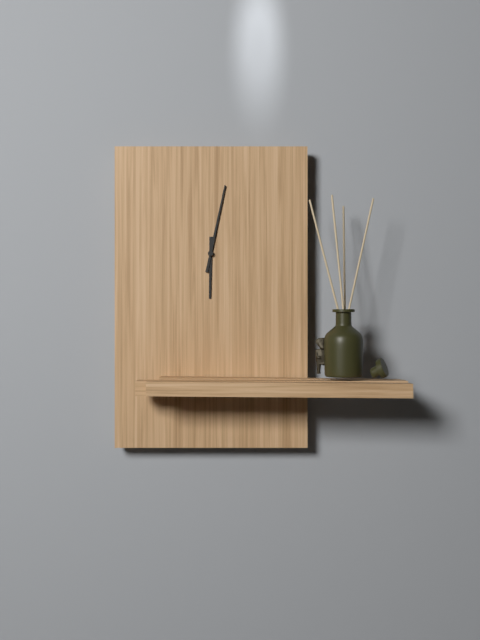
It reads **6:02**
